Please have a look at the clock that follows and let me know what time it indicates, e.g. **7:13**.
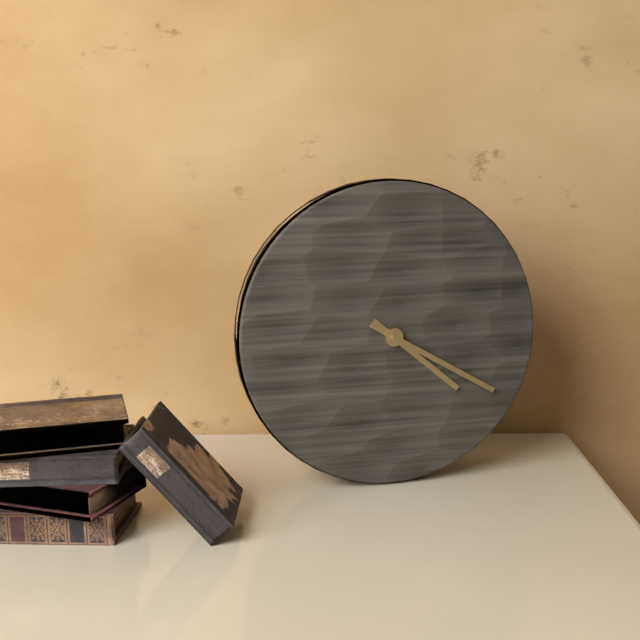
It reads **4:20**
